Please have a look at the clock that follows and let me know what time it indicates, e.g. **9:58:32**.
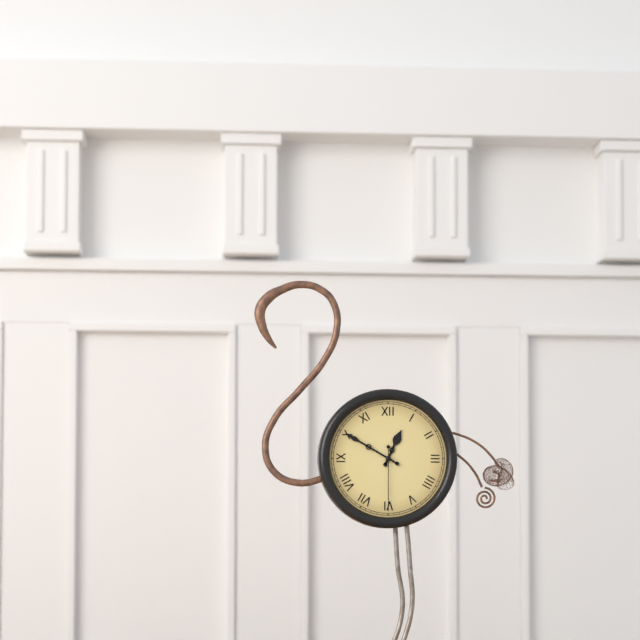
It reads **12:50:30**
